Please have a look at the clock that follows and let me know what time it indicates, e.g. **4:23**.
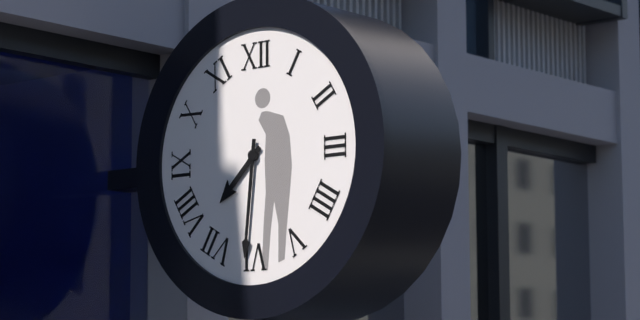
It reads **7:31**
